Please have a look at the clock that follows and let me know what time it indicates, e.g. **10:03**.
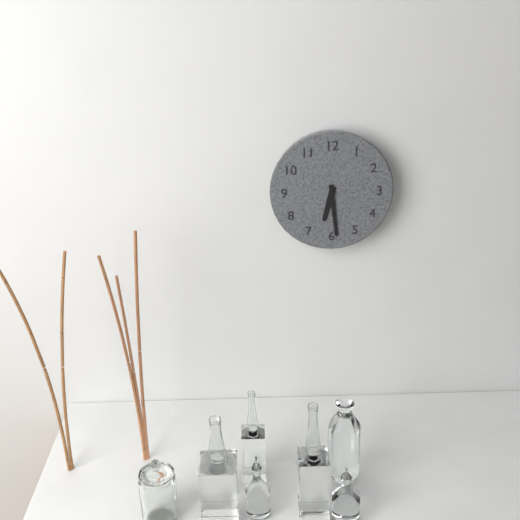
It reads **6:29**
